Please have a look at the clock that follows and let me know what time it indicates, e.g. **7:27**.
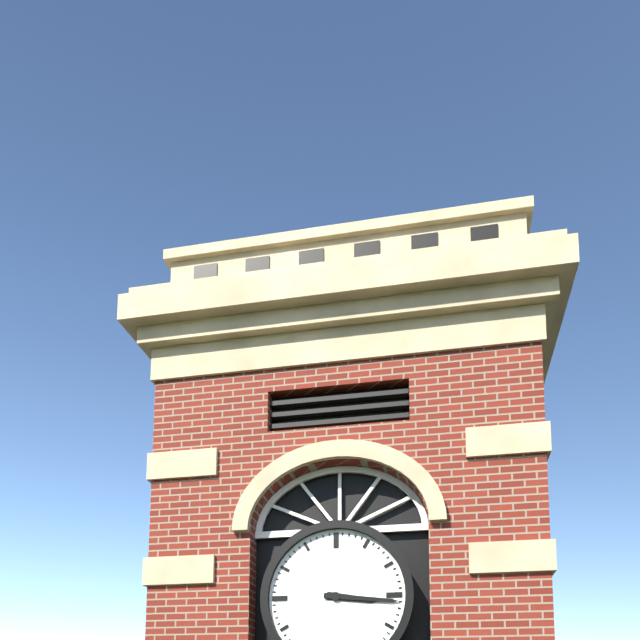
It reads **3:16**
